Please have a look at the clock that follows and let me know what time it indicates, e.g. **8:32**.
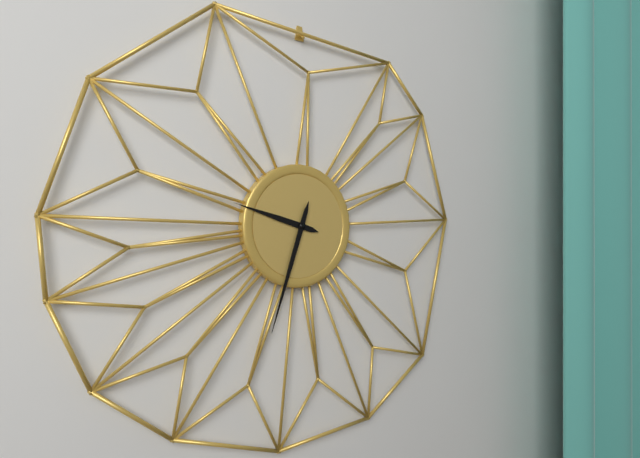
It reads **9:33**
